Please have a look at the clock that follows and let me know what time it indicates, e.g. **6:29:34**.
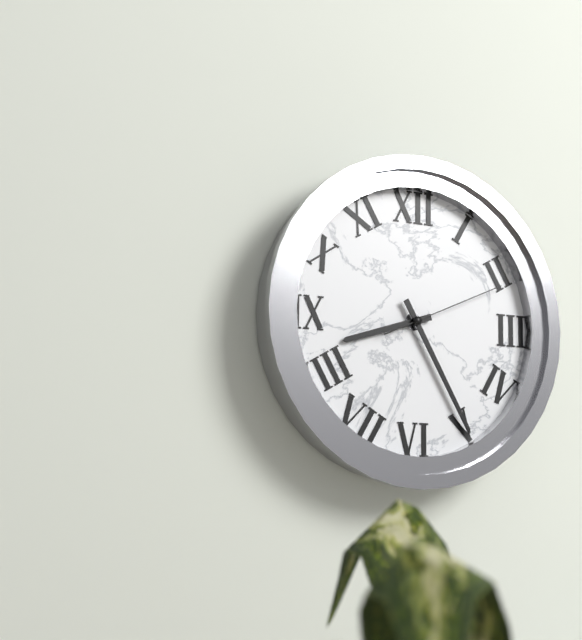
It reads **8:25:11**
